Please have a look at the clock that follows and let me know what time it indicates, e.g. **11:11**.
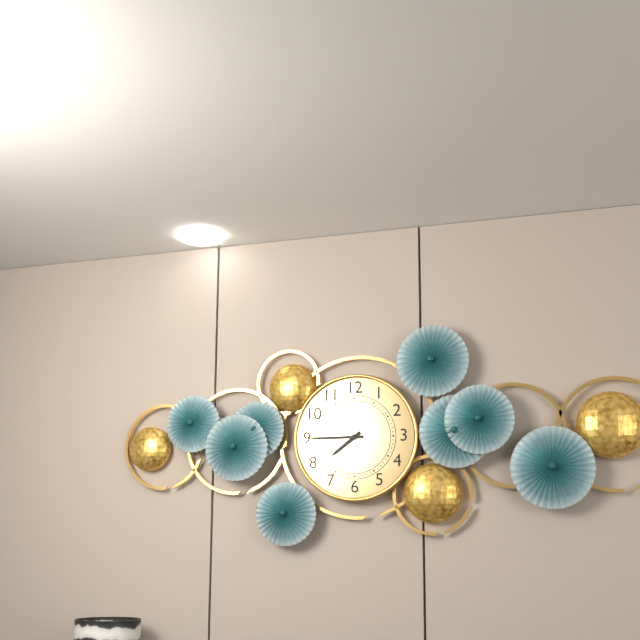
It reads **7:45**
